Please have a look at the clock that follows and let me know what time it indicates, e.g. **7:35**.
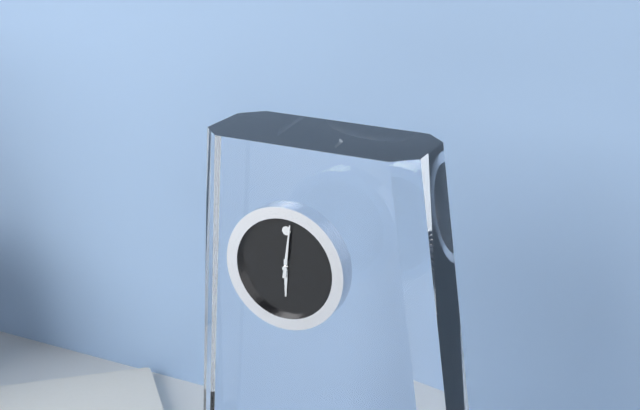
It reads **6:01**
